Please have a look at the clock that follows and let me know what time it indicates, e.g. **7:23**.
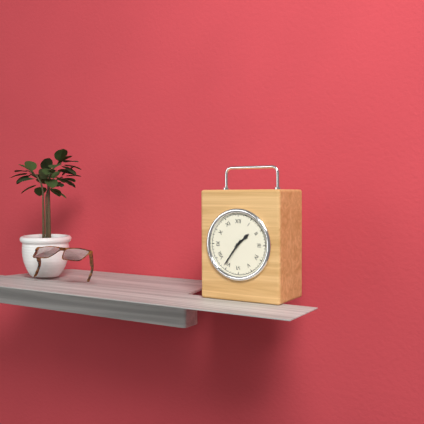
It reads **1:36**
